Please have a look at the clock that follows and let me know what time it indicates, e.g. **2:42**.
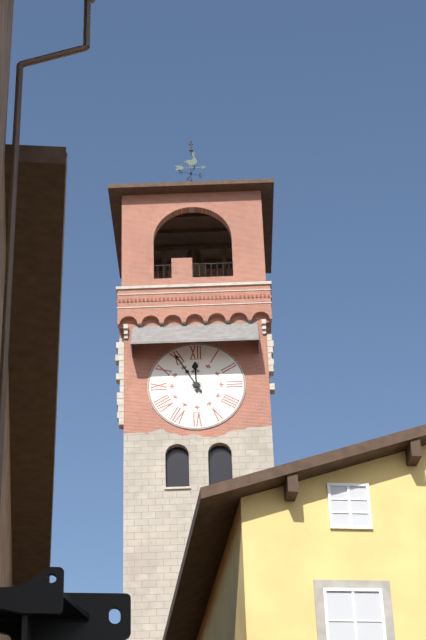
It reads **11:55**
